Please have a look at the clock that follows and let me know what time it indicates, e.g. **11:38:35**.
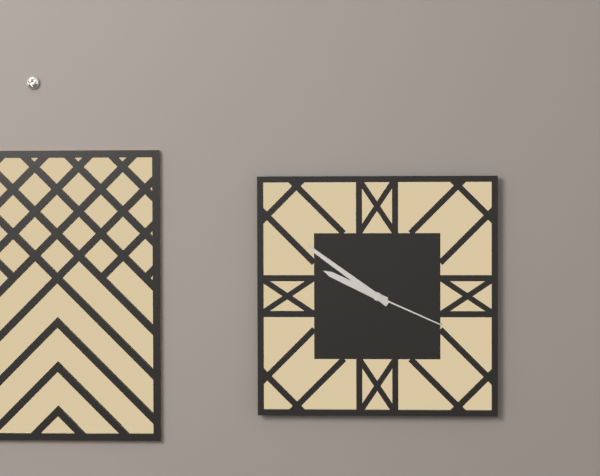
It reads **9:51:19**
